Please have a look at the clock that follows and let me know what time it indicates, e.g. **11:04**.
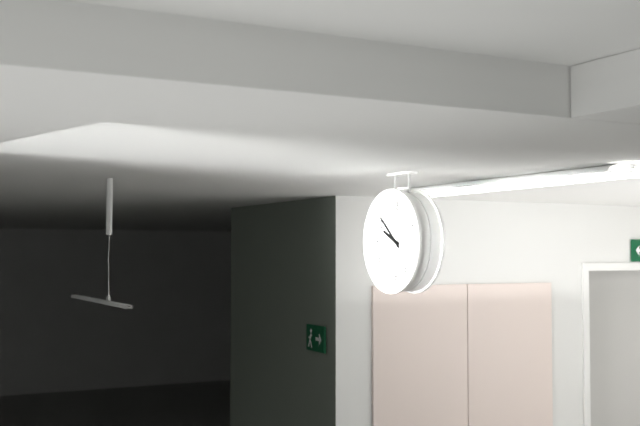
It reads **9:52**
